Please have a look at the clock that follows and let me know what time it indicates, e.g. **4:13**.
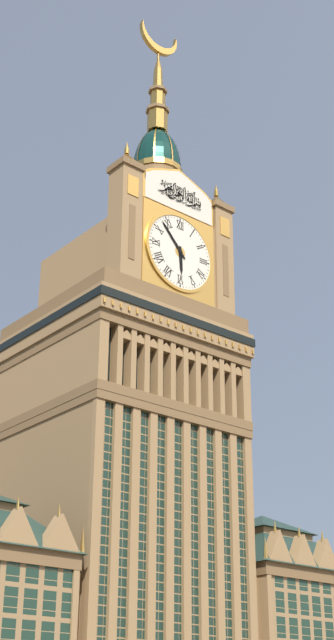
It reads **5:53**
